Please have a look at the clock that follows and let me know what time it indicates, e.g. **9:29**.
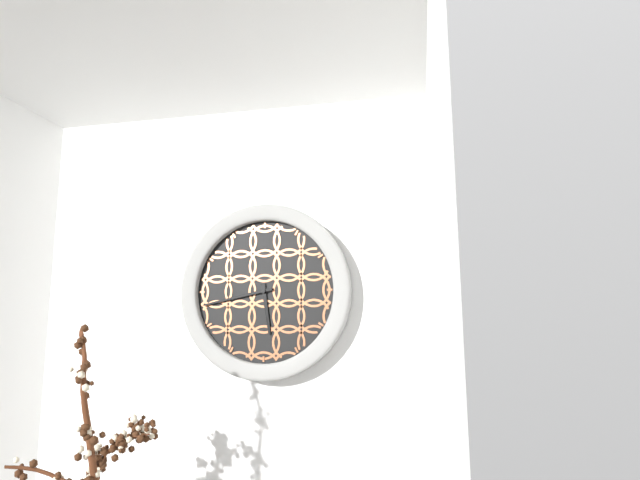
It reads **5:43**
